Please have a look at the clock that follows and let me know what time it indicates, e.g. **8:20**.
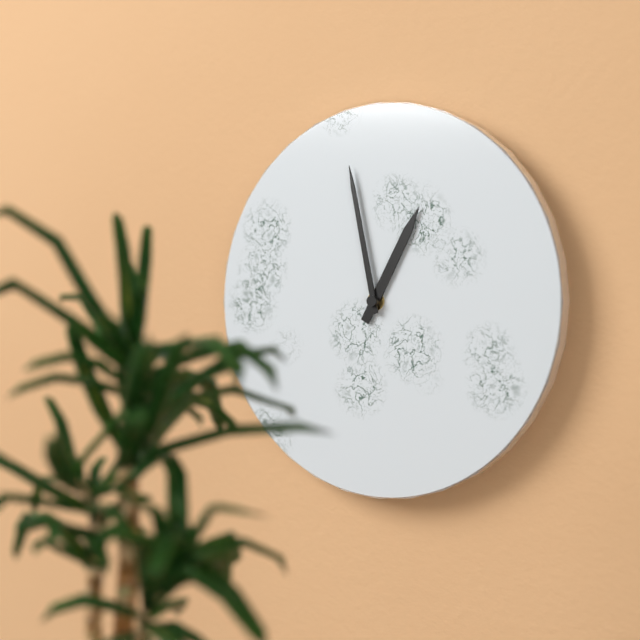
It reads **12:58**
